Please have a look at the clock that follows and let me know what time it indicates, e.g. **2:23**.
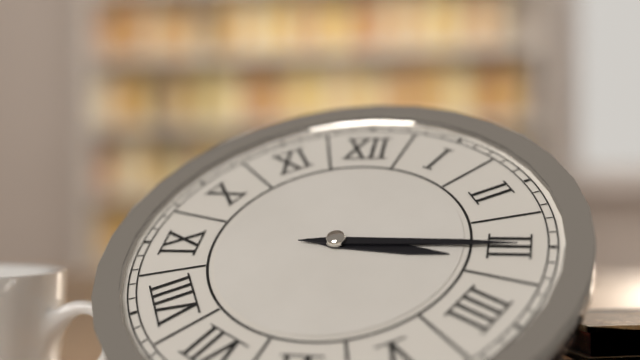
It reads **3:15**
